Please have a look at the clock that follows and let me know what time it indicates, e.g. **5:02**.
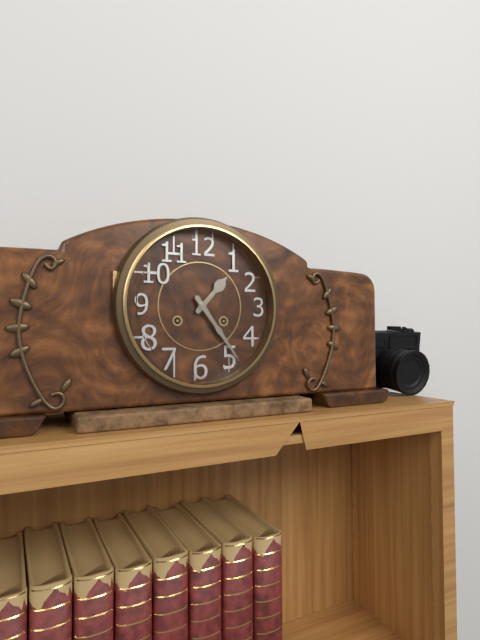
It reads **1:24**
